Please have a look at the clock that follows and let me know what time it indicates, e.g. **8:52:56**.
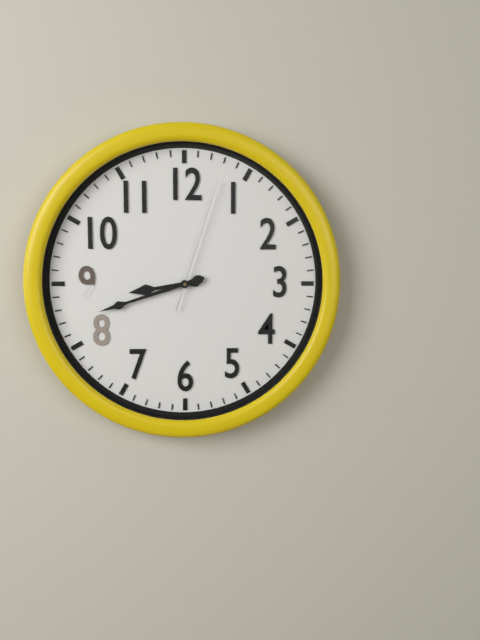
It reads **8:42:03**
